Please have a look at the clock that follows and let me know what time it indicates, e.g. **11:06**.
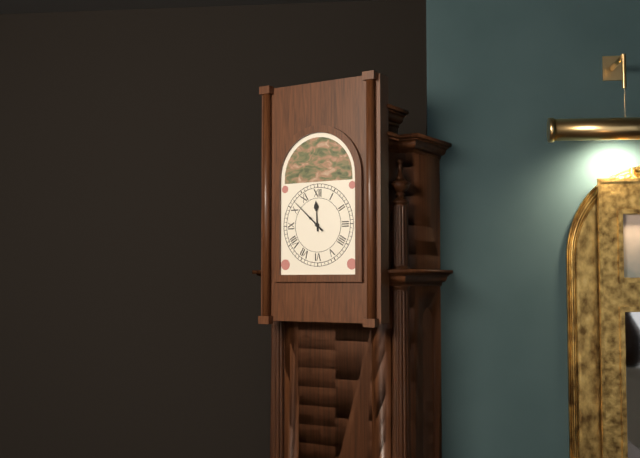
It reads **11:52**
